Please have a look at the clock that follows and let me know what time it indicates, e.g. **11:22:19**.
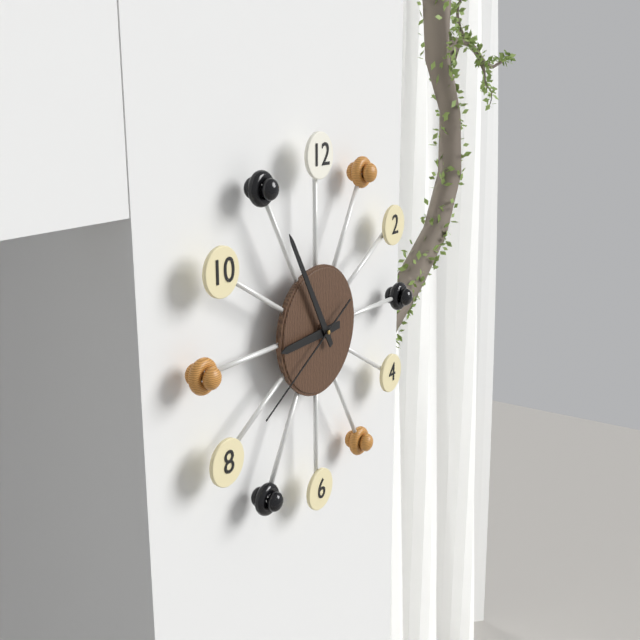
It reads **8:55:40**
